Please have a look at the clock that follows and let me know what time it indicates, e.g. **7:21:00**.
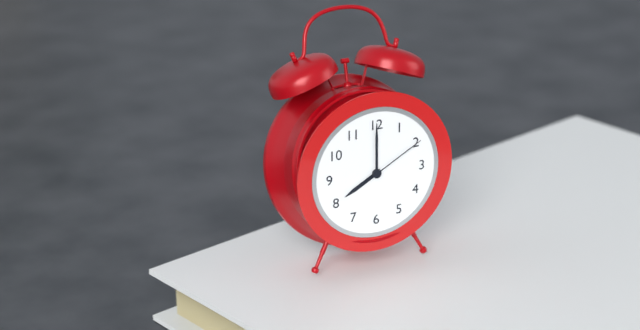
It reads **8:00:10**
